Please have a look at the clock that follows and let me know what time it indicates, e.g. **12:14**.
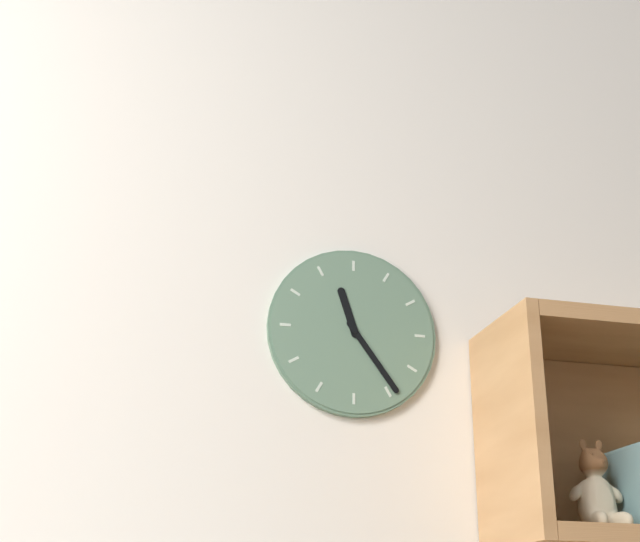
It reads **11:24**
